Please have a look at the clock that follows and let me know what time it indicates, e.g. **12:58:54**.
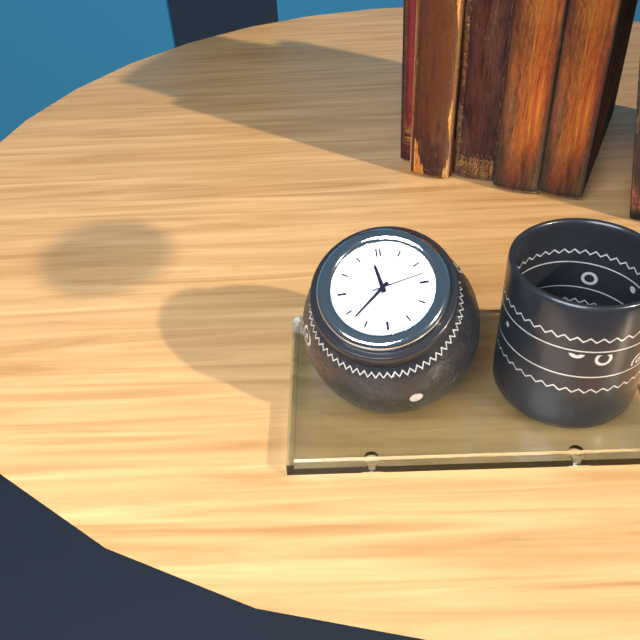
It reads **11:38:13**
